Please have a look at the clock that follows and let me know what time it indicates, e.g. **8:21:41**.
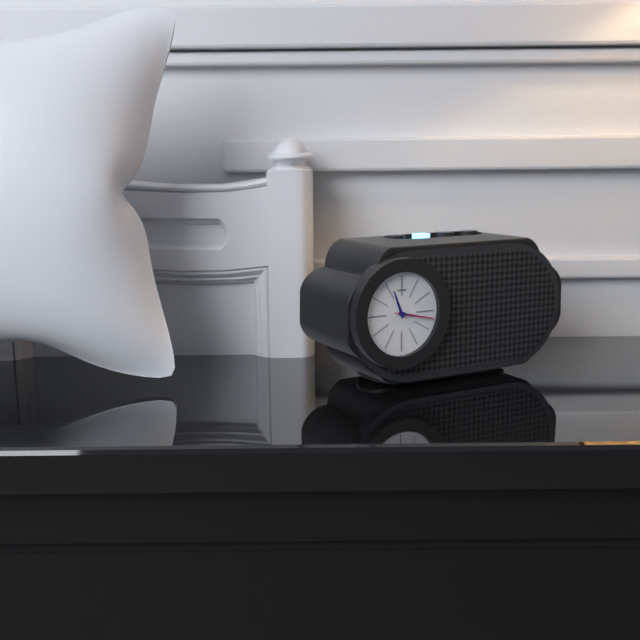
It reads **11:17:17**
